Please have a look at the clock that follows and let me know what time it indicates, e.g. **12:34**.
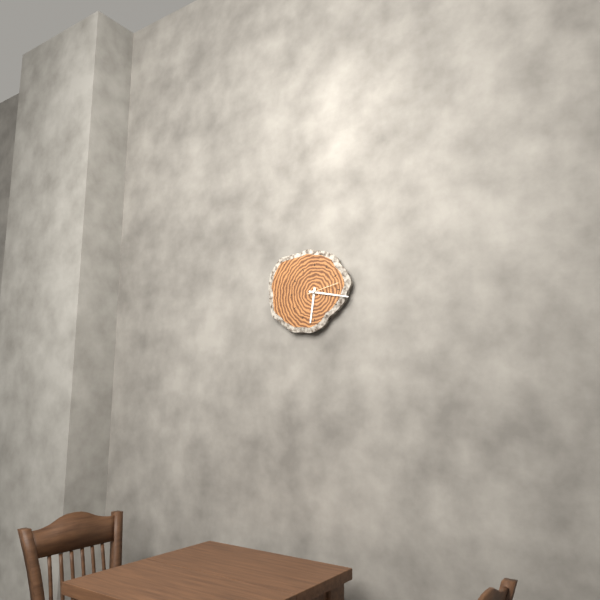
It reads **6:17**
